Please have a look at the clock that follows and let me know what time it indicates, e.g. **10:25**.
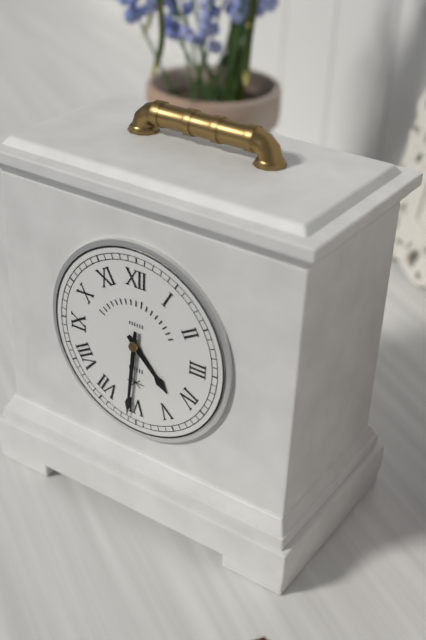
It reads **4:31**
